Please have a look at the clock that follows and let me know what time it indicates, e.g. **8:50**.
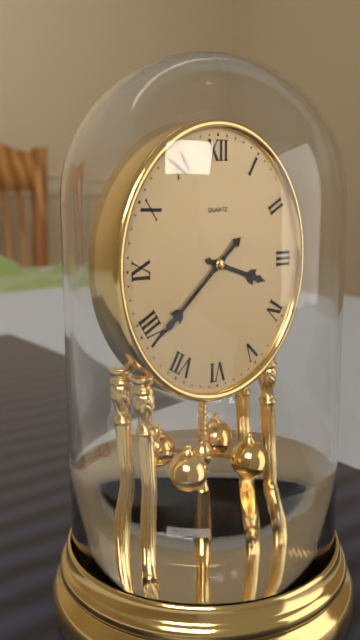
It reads **3:38**
